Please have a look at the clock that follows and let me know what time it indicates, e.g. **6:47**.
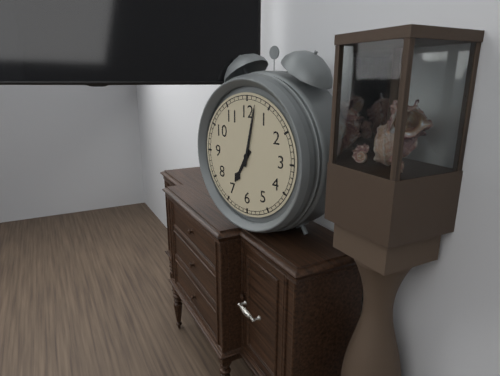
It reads **7:02**
